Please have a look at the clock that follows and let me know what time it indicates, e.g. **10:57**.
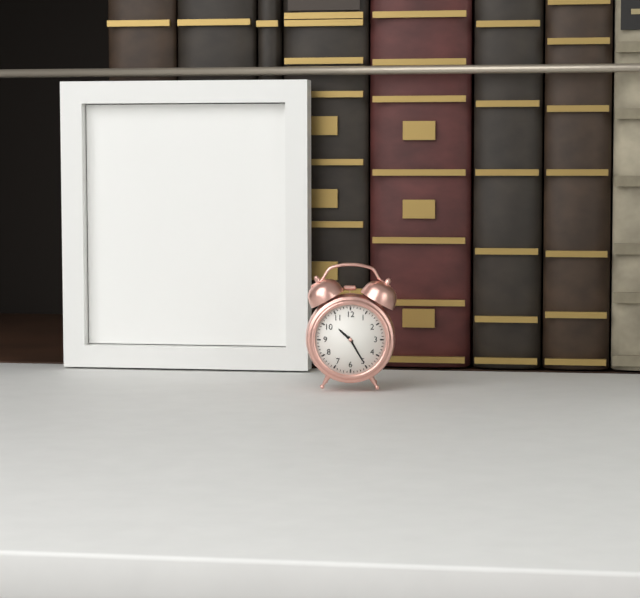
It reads **10:25**
